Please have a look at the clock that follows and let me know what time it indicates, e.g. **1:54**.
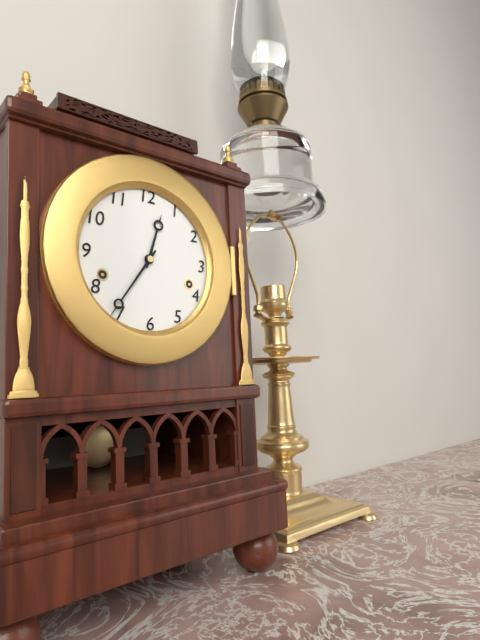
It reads **12:36**
